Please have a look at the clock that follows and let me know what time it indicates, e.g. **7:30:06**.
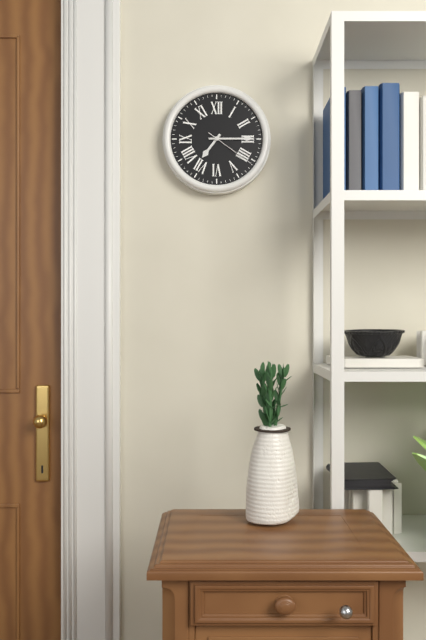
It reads **7:15:21**
